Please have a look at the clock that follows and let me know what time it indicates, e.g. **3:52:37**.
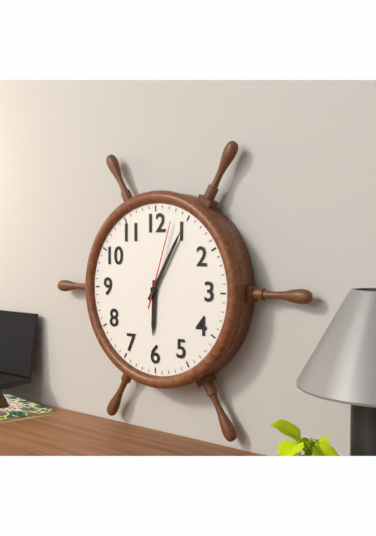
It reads **6:05:03**
